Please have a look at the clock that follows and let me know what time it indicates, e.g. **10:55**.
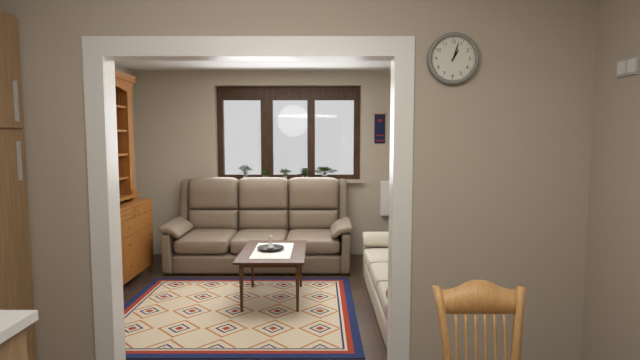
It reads **1:03**
